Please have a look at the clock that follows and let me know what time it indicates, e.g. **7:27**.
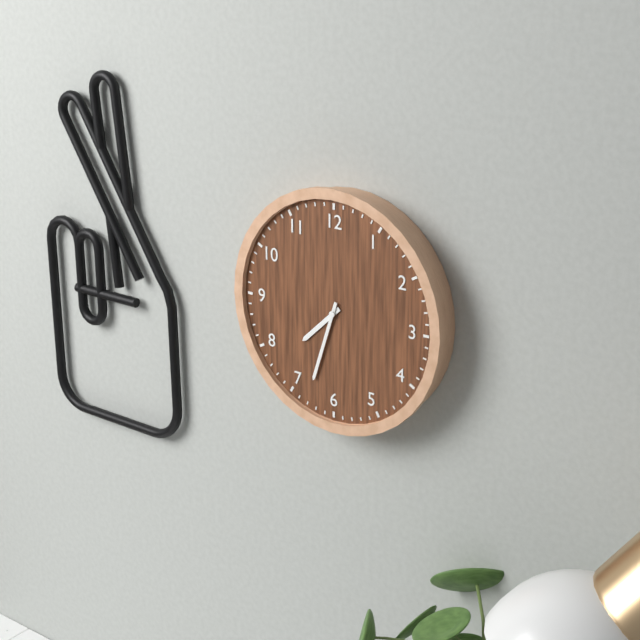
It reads **7:33**
